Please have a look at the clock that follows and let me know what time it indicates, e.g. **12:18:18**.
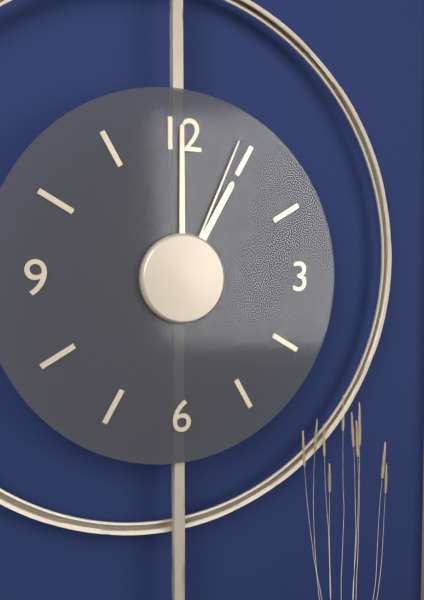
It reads **1:00:04**
